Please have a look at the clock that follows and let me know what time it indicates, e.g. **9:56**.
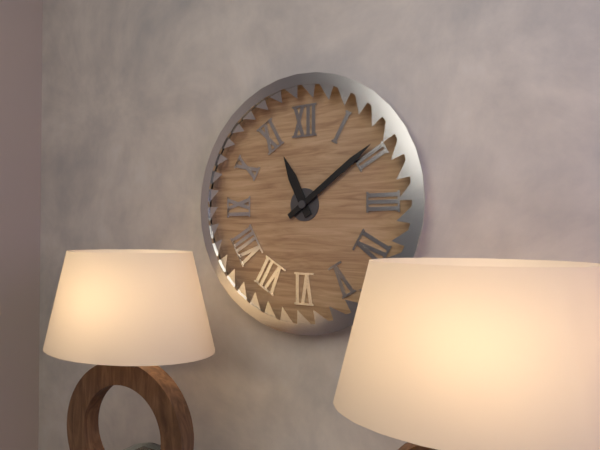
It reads **11:09**
